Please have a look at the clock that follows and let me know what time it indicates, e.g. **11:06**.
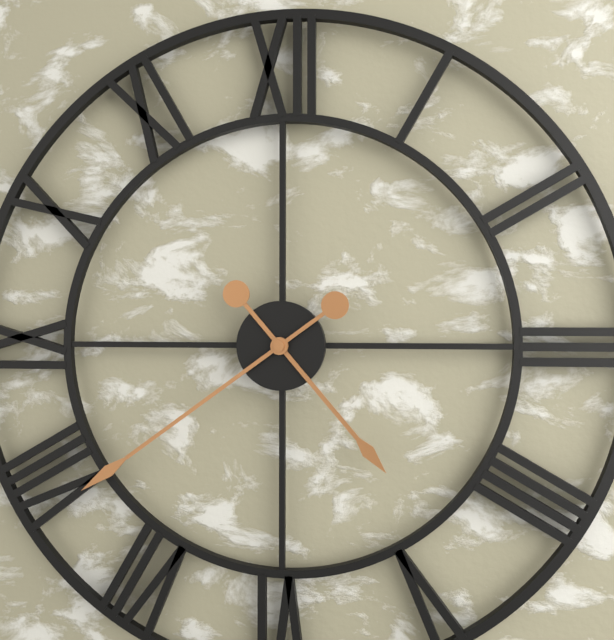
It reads **4:39**
